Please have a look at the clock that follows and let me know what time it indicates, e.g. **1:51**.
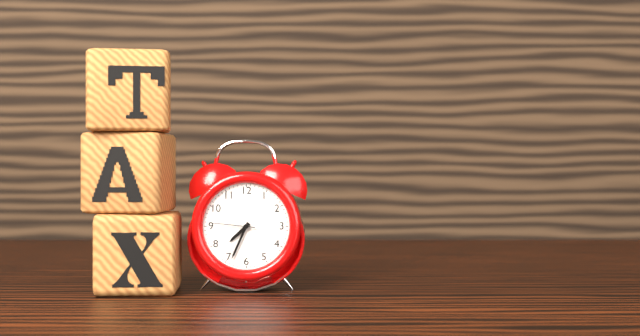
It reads **7:34**
